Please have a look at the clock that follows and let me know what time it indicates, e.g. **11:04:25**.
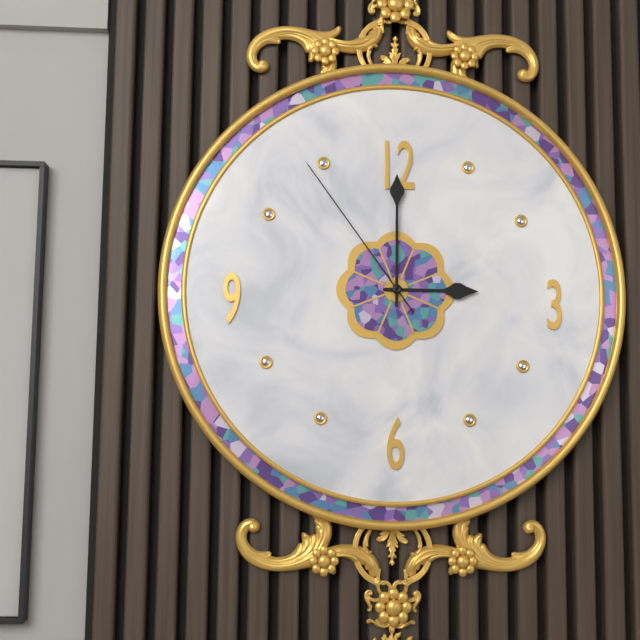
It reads **3:00:54**
